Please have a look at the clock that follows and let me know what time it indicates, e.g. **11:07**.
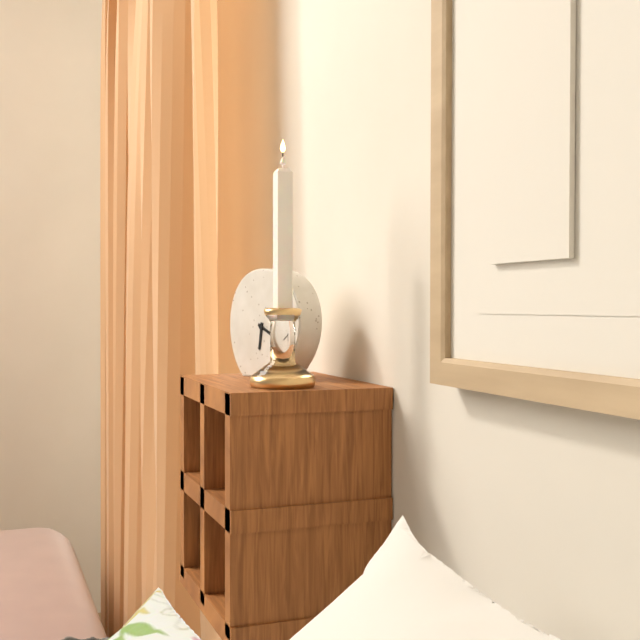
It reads **6:19**
